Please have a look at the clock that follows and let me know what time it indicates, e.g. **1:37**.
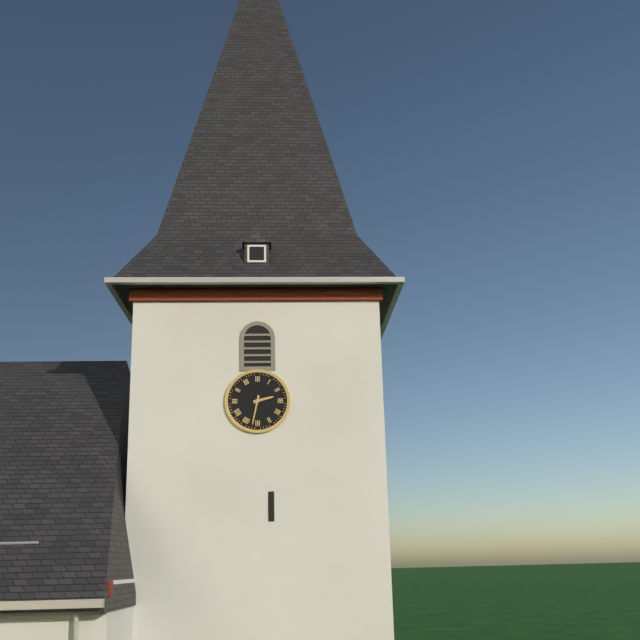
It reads **2:32**
